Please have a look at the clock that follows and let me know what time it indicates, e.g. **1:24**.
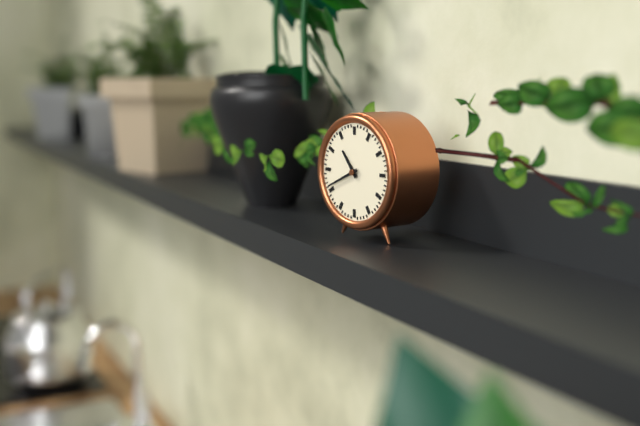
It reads **10:41**
